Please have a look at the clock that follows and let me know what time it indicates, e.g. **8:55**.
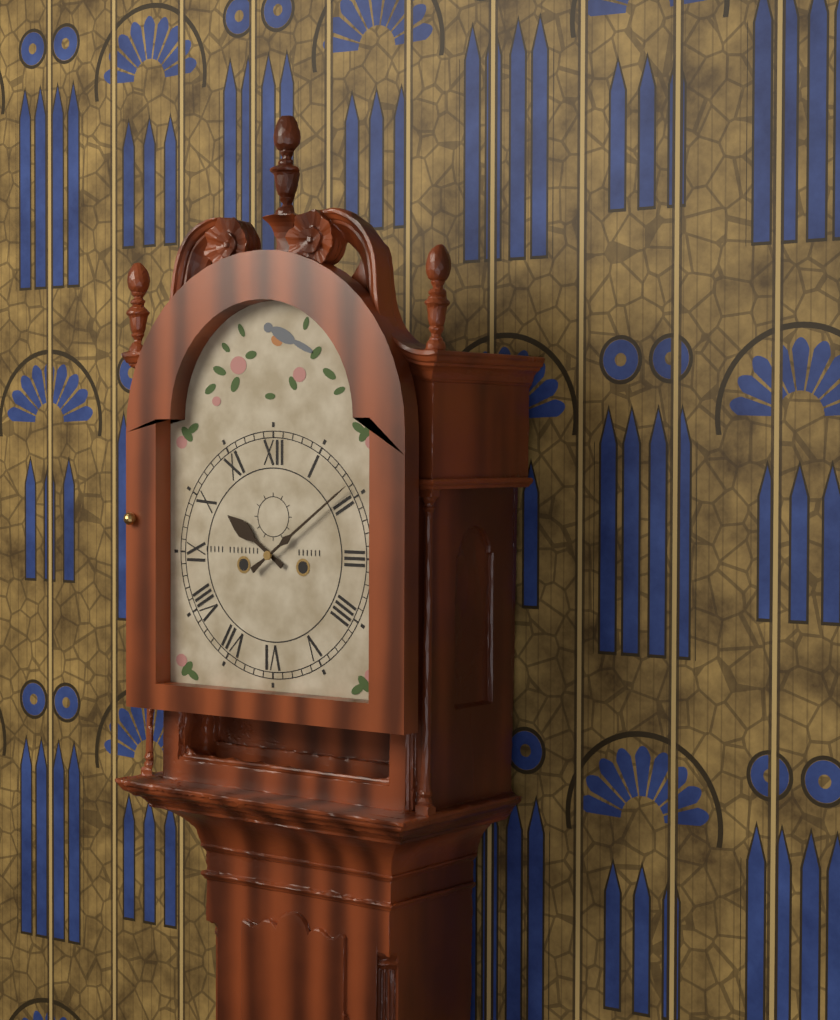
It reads **10:09**
